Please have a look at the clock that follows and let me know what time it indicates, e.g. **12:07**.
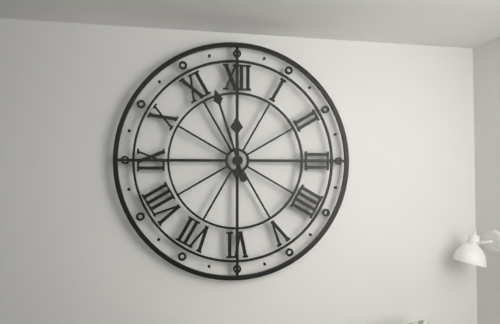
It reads **11:57**
